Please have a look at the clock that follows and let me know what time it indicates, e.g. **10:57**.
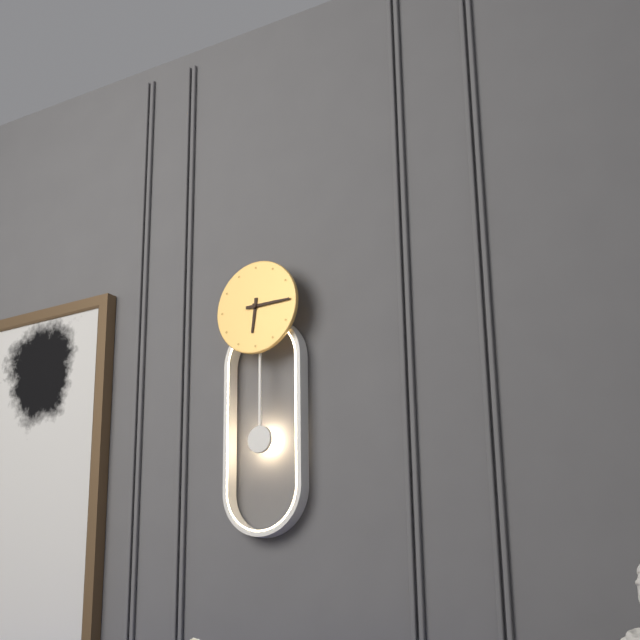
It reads **6:15**
